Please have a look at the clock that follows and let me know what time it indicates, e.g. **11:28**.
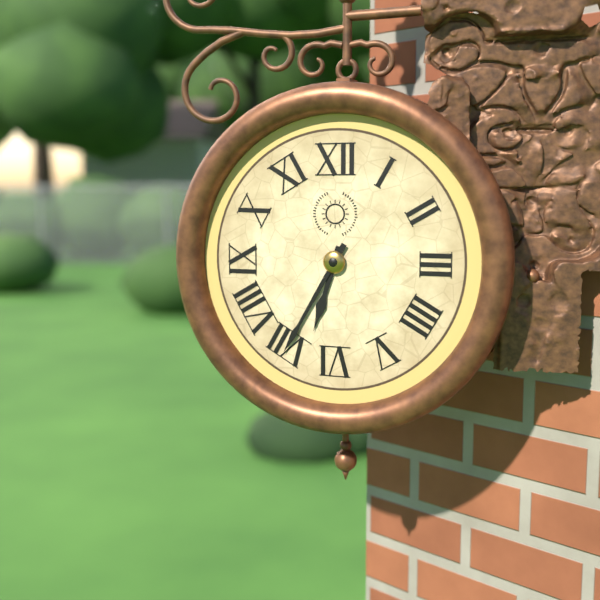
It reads **6:35**
